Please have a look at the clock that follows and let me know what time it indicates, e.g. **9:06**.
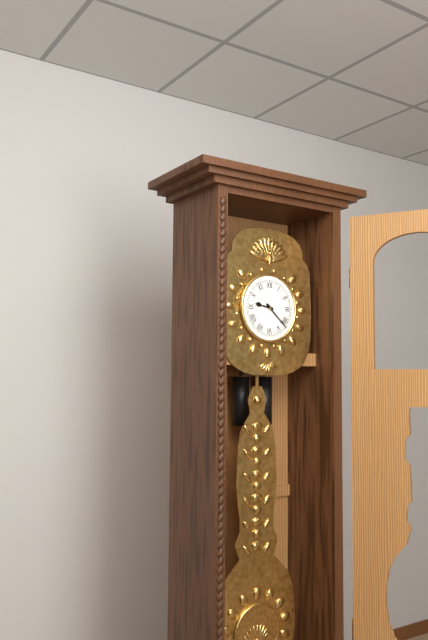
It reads **9:22**
